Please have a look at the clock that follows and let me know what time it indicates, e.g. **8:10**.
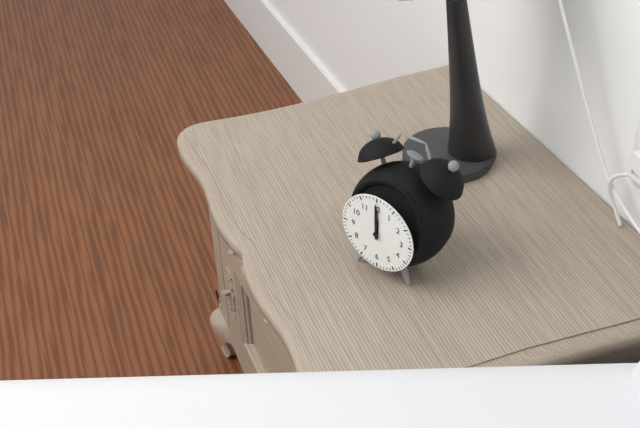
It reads **12:00**
